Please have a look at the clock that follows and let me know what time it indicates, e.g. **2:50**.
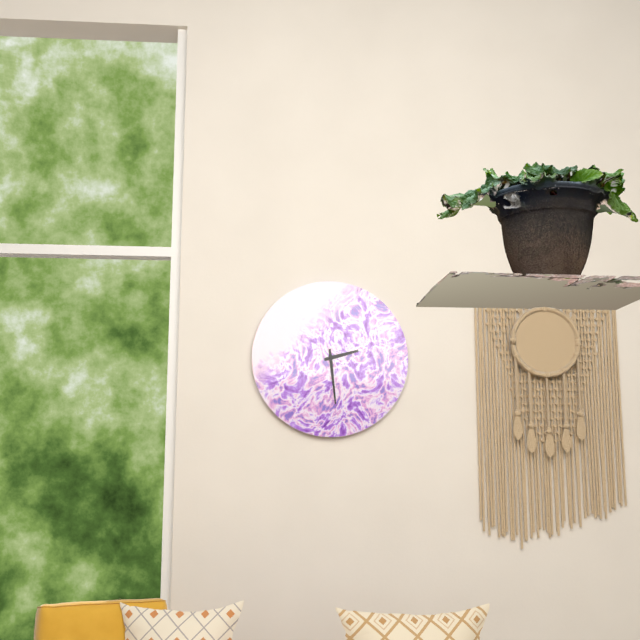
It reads **2:29**
